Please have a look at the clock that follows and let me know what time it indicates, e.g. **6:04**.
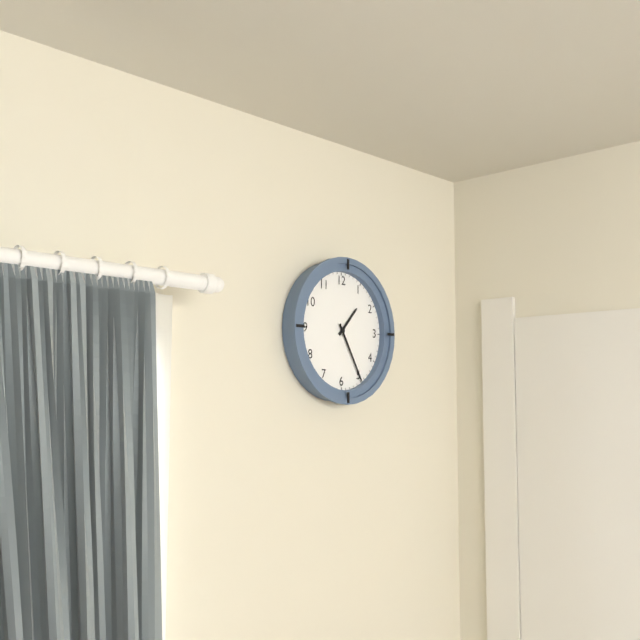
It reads **1:25**
